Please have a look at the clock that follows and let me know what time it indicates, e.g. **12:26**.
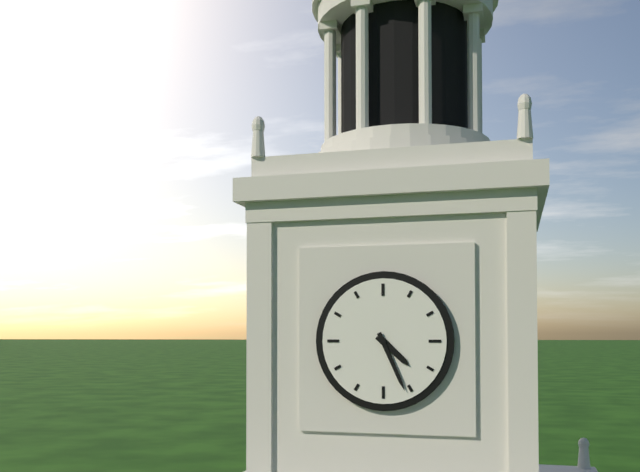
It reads **4:26**
